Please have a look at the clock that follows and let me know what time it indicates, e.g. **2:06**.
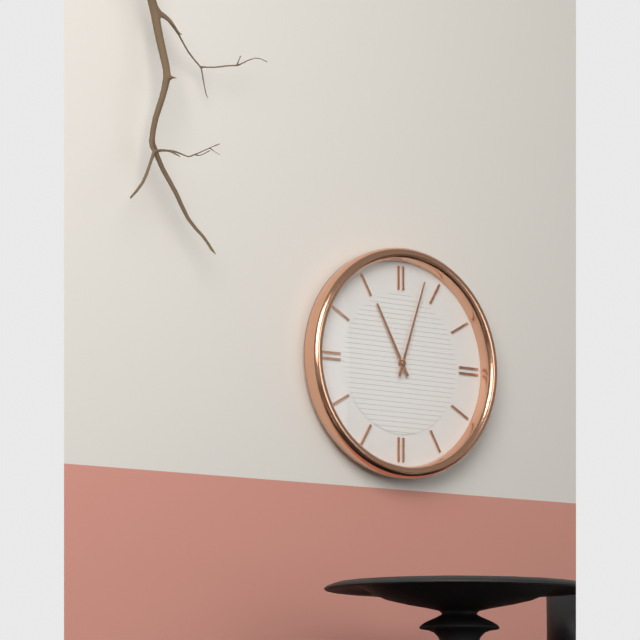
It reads **11:03**
